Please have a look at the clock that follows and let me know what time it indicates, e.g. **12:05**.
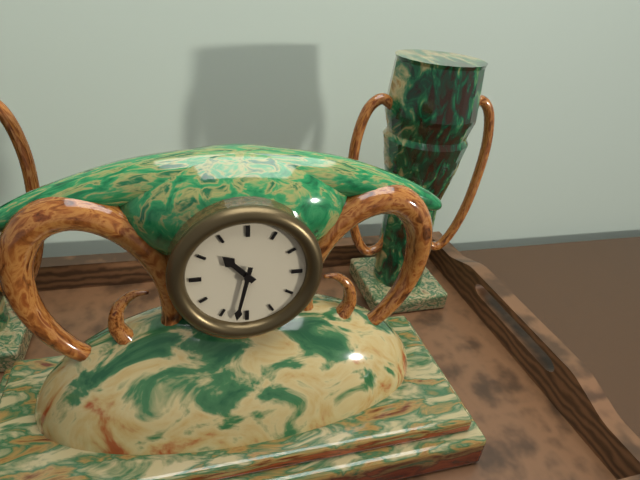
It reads **10:32**
